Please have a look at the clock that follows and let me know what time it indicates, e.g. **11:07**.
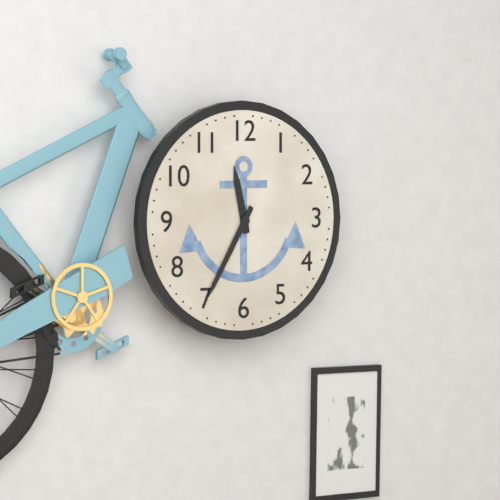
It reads **11:35**
